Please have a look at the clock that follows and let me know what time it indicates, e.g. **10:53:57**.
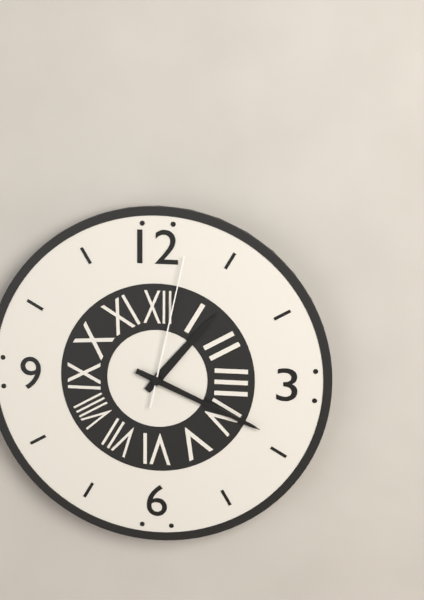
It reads **1:19:02**
